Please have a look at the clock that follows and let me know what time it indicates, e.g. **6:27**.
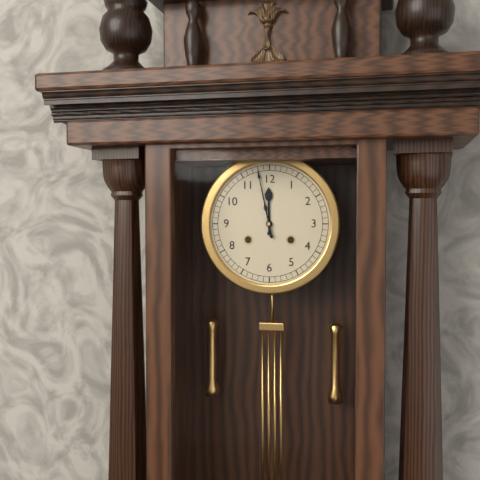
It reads **11:58**
